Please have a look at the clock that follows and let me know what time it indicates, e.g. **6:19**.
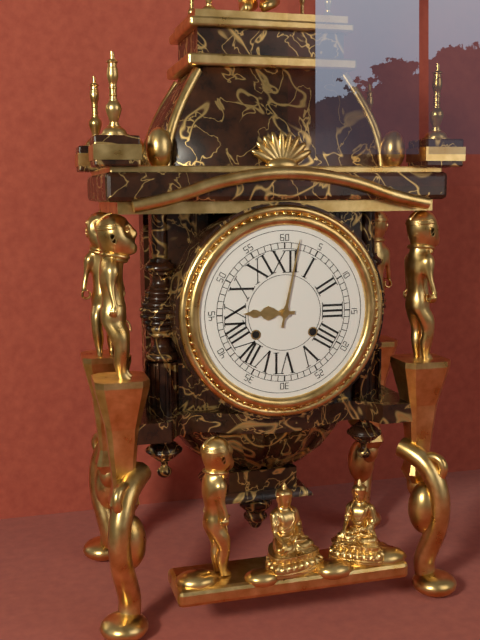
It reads **9:02**
